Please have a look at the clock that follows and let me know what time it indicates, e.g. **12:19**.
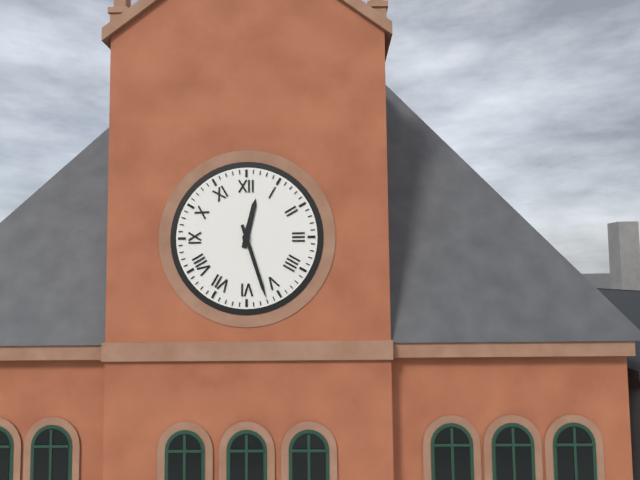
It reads **12:27**
